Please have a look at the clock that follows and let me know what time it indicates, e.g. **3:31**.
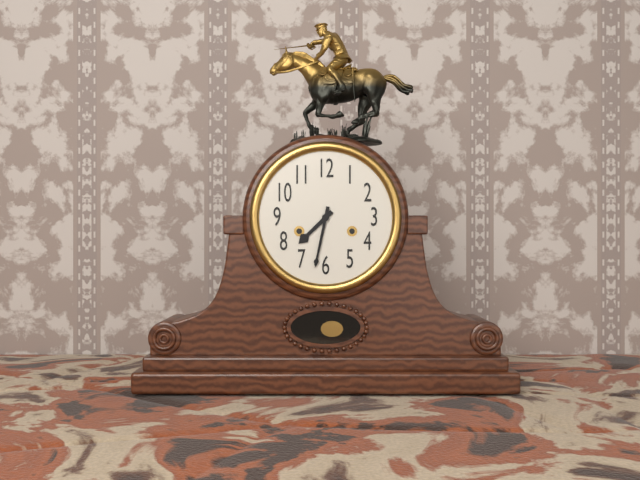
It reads **7:32**
